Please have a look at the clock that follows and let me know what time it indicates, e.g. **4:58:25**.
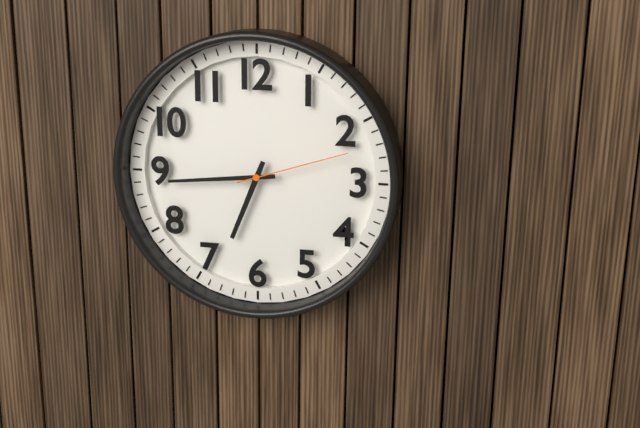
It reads **6:44:12**
